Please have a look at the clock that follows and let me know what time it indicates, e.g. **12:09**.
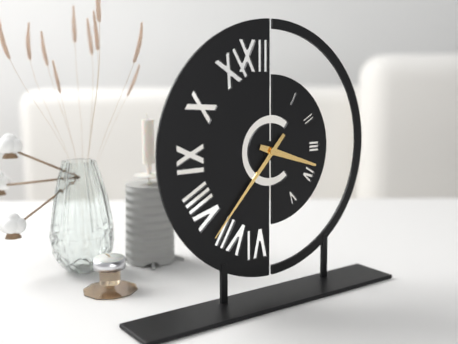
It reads **3:37**
